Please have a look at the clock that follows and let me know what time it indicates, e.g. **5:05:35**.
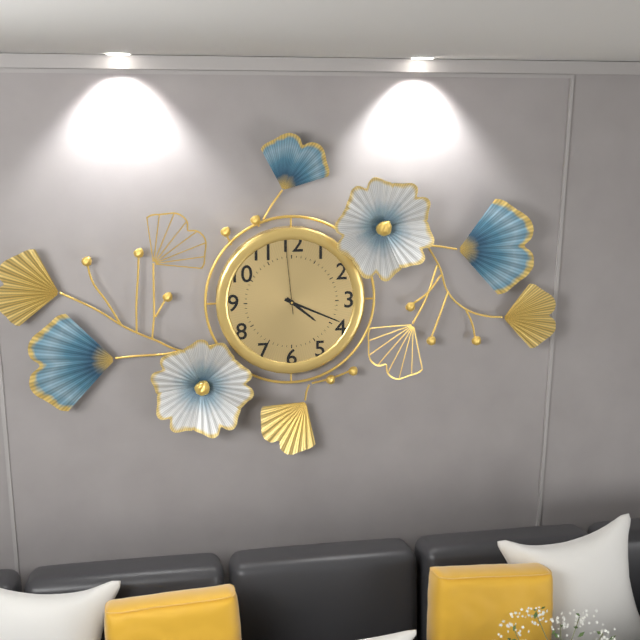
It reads **4:19:59**
